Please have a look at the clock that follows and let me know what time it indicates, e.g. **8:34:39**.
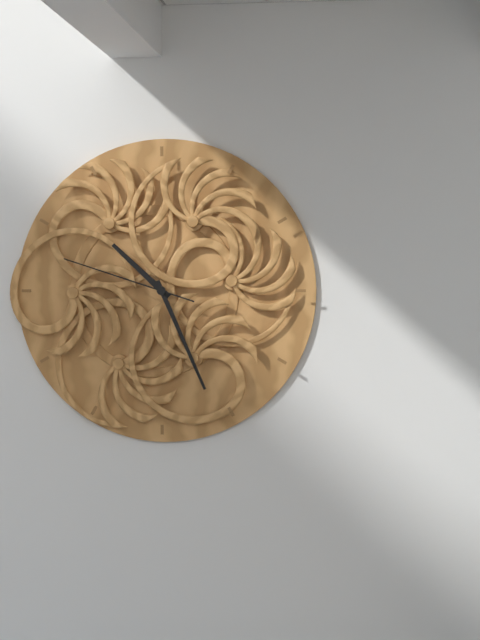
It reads **10:26:48**
